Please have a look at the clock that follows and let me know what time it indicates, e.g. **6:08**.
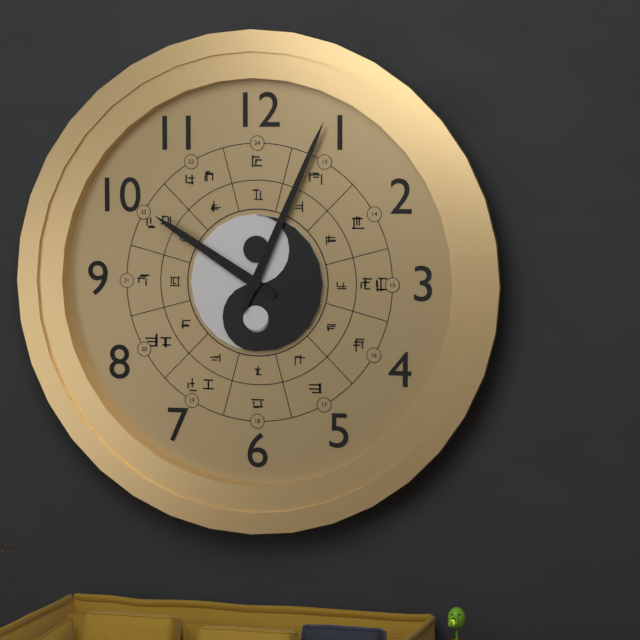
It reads **10:04**
